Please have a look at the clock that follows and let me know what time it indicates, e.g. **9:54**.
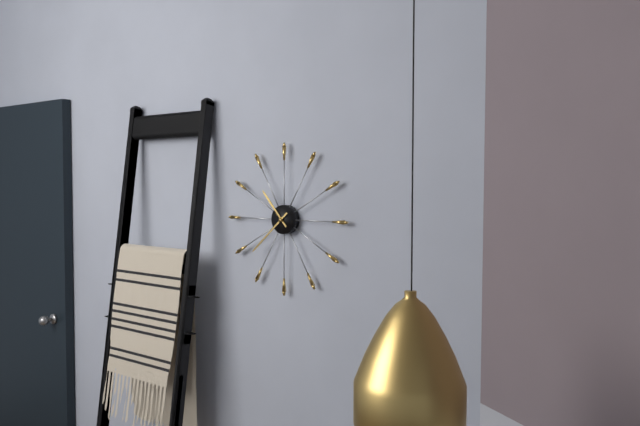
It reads **10:38**
